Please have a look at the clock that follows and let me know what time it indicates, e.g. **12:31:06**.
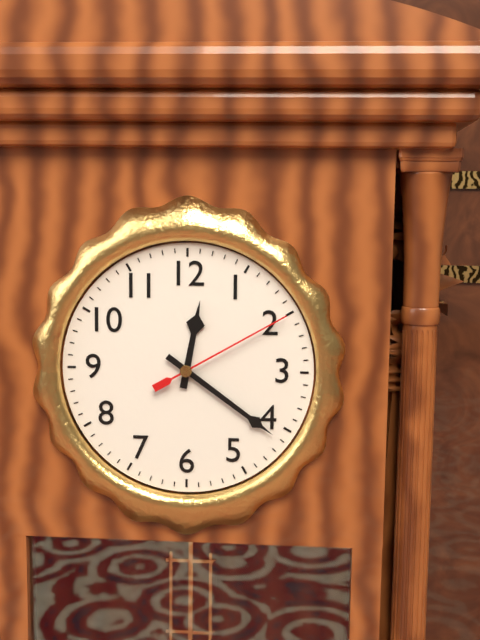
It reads **12:21:10**
